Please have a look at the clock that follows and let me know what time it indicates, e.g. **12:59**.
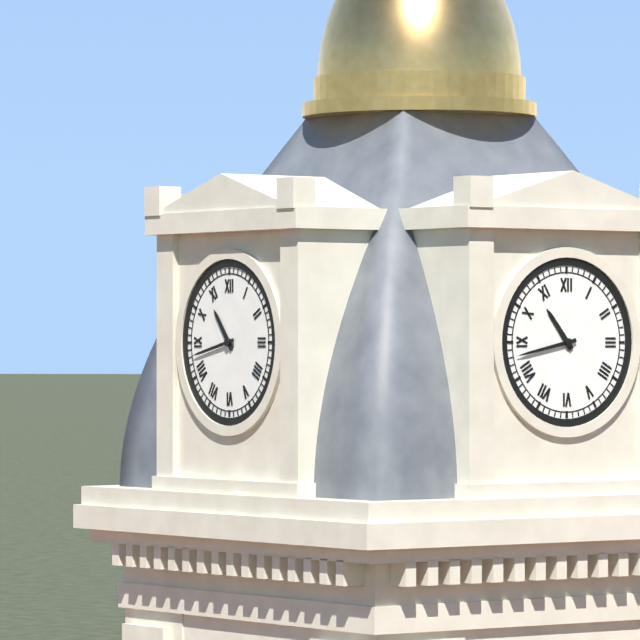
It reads **10:43**
